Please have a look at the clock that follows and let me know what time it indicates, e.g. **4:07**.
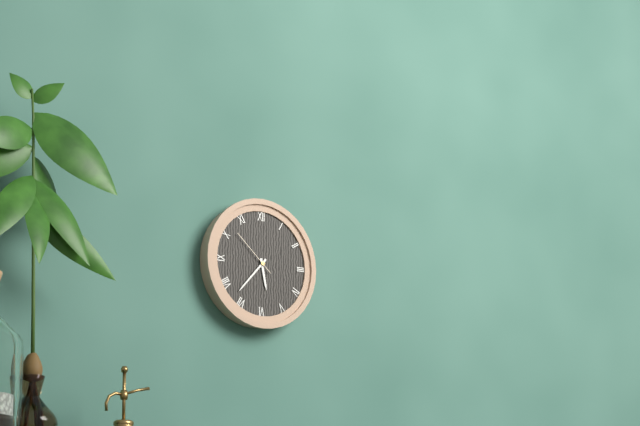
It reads **5:37**
